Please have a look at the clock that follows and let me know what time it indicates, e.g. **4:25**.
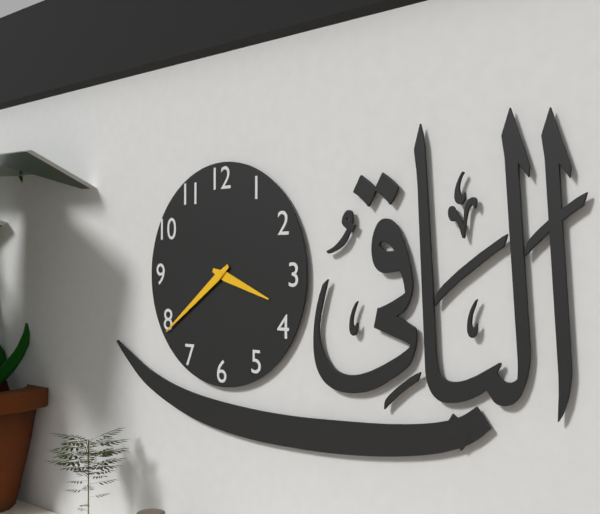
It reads **3:39**
